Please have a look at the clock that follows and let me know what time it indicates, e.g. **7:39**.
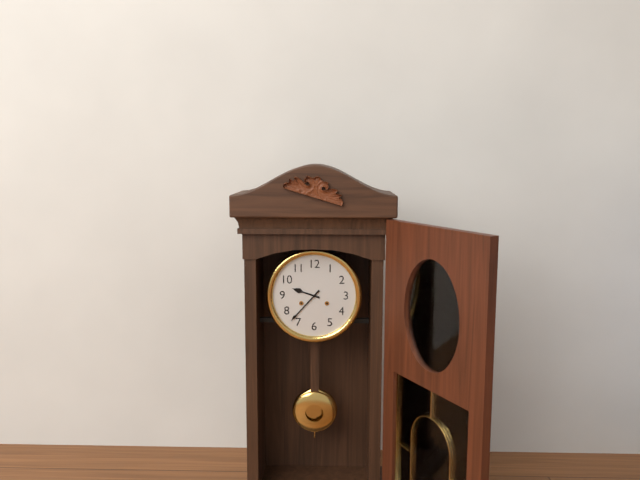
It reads **9:37**
